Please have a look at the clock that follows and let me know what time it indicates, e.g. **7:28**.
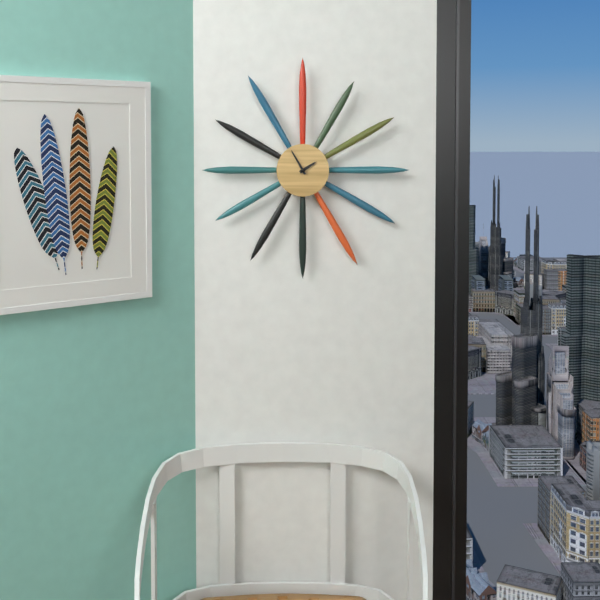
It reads **1:55**
